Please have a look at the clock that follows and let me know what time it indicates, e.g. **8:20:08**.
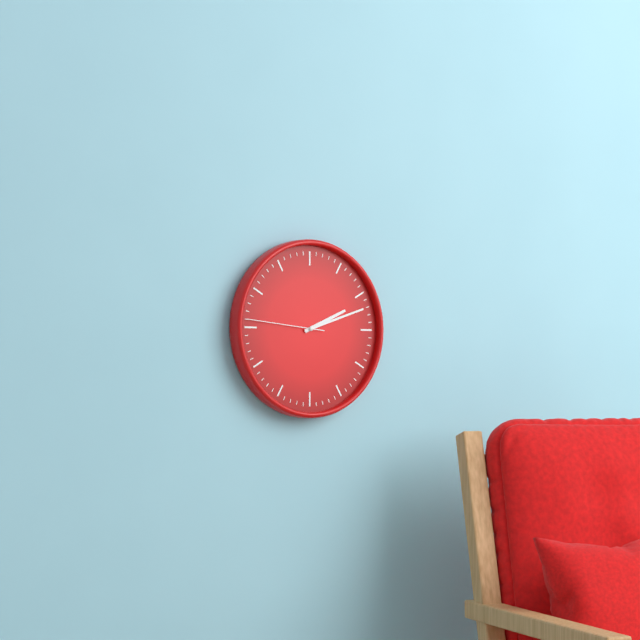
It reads **2:12:46**
